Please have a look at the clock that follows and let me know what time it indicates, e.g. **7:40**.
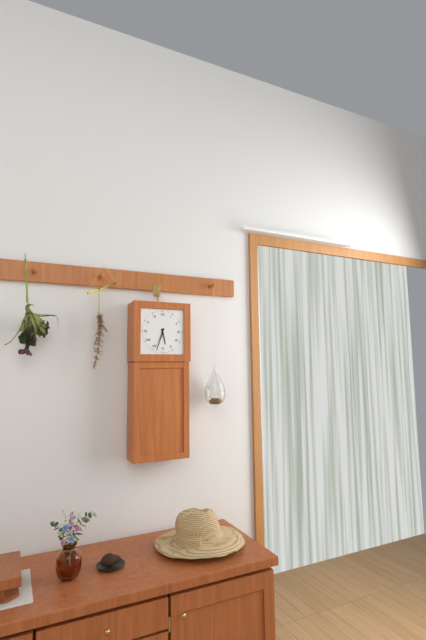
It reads **5:33**
